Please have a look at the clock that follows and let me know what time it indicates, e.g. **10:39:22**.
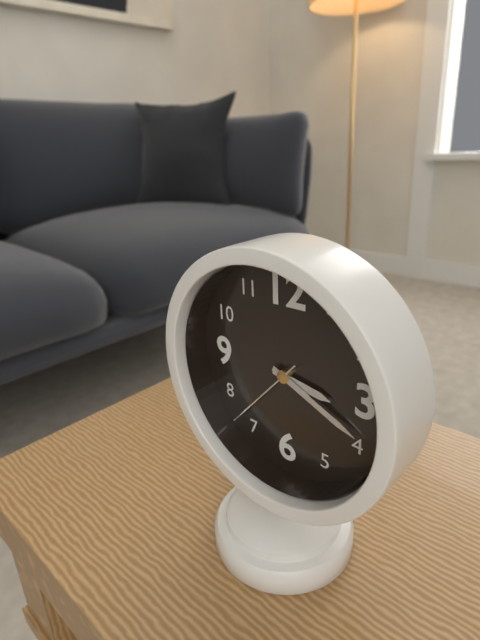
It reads **3:19:37**
